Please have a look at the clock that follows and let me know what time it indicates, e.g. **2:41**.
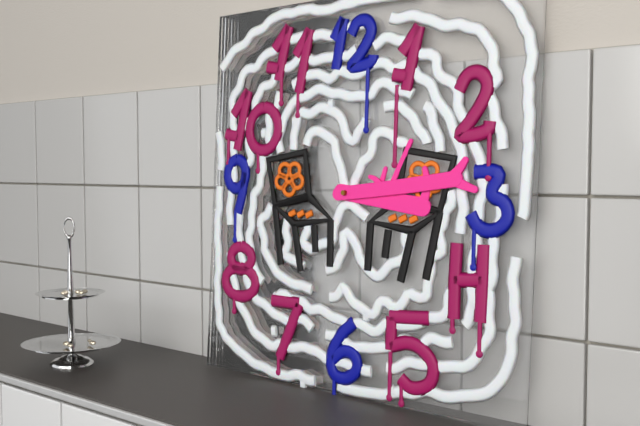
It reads **3:14**
